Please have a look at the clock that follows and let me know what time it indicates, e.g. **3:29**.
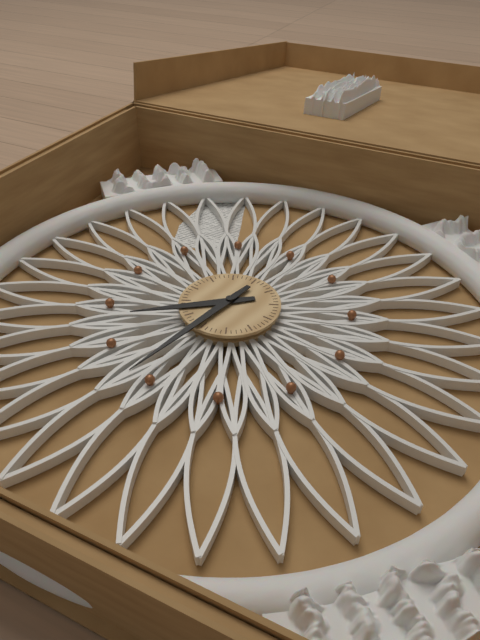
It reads **7:31**
